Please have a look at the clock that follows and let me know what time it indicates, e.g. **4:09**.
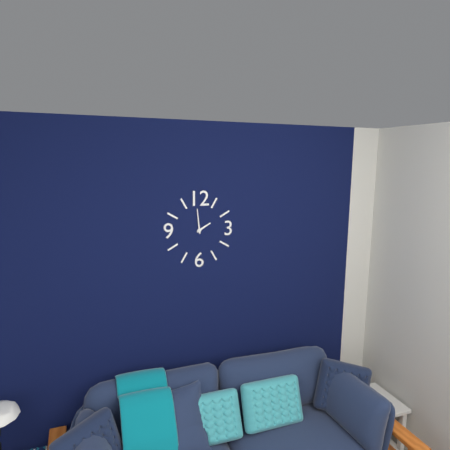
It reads **1:59**
